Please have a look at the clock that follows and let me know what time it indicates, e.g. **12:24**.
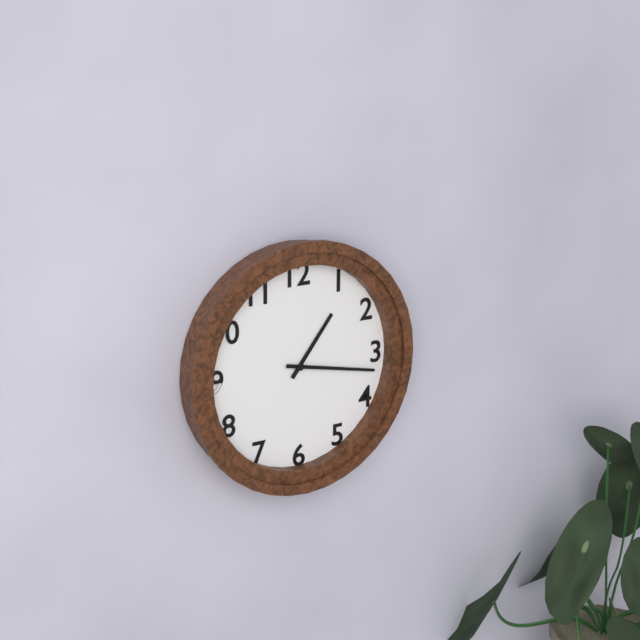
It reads **1:17**
